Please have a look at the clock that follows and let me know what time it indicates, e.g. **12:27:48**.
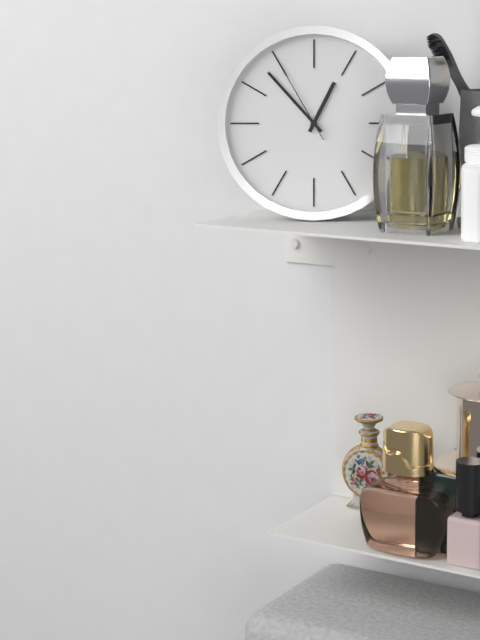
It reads **12:53:55**
